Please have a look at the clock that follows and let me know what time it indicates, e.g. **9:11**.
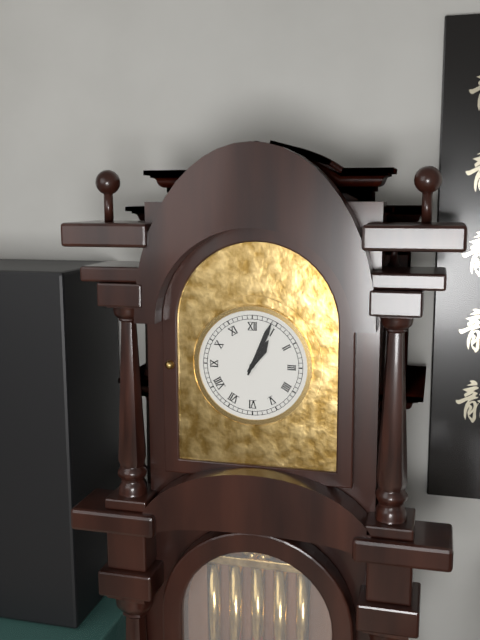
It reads **1:04**
